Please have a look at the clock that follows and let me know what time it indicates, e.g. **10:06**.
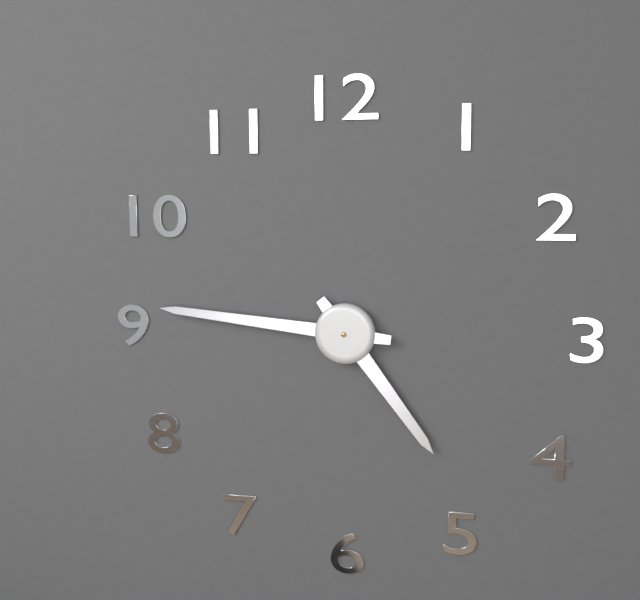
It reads **4:46**
